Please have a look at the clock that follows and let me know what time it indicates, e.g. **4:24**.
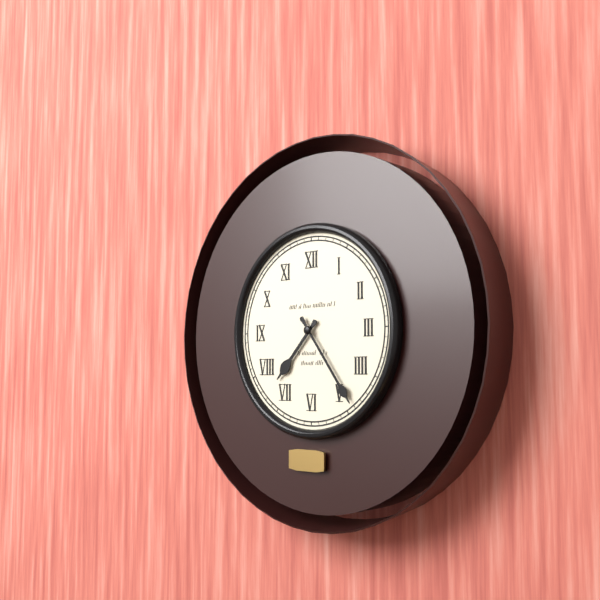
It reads **7:24**
